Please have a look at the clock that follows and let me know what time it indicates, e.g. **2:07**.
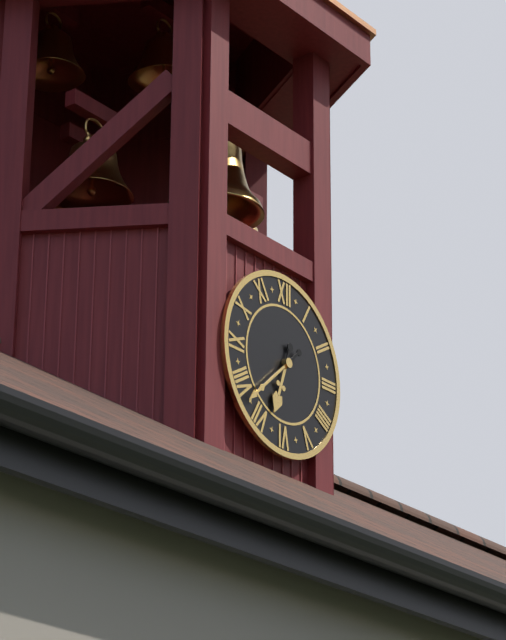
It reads **6:38**
